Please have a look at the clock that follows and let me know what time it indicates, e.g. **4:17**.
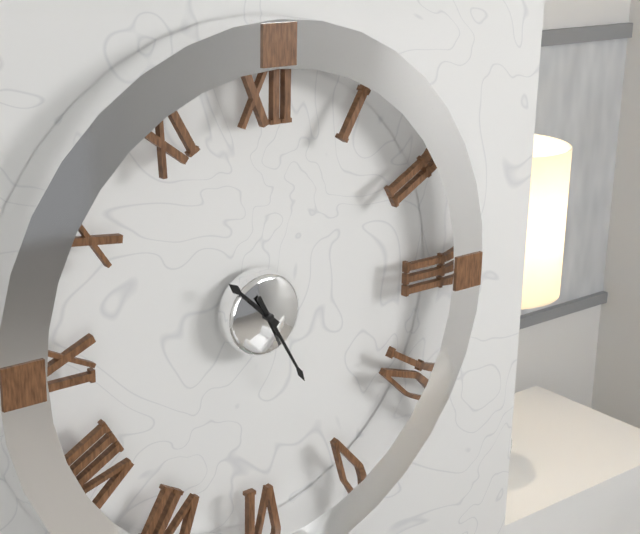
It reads **10:25**
